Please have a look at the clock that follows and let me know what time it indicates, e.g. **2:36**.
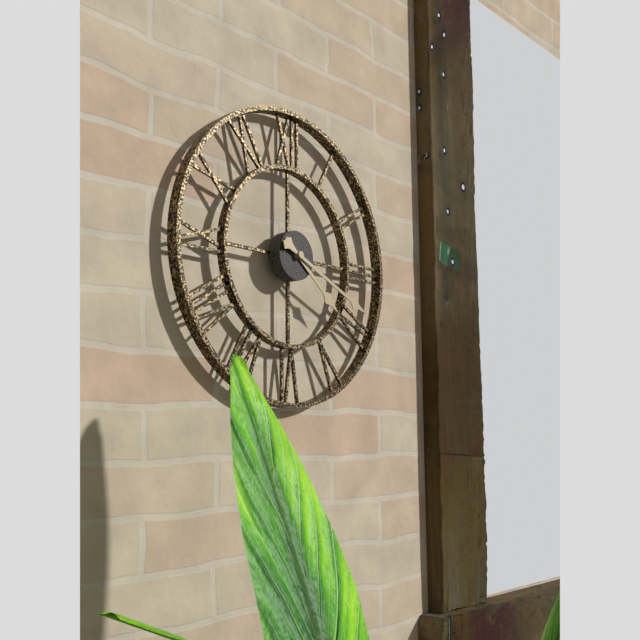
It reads **4:19**
